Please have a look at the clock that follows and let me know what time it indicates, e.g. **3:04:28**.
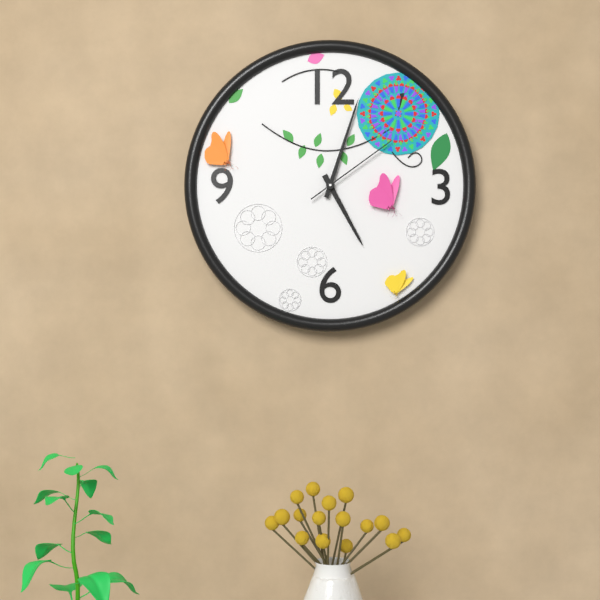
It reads **5:03:09**
